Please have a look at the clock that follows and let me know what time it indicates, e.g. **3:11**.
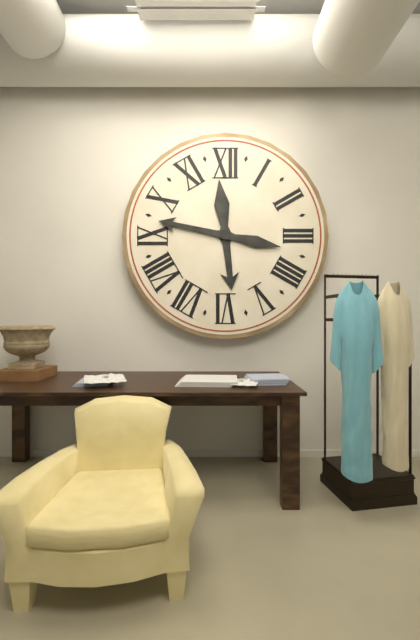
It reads **5:47**
